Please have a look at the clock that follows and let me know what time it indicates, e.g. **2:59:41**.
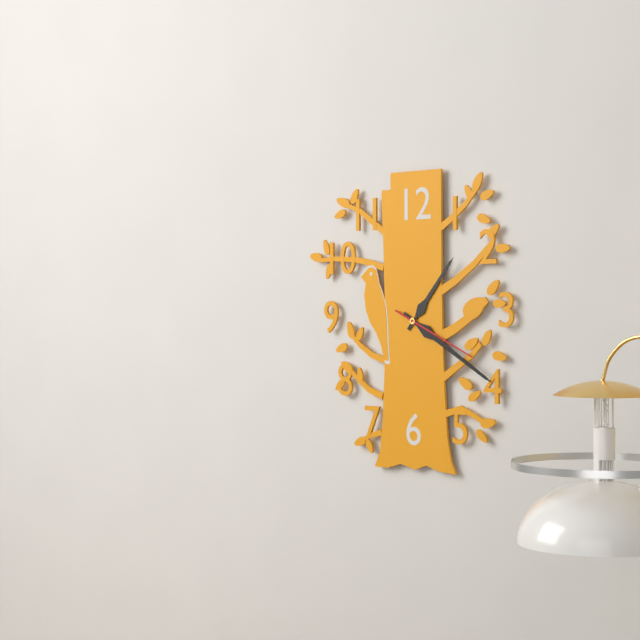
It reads **1:20:19**
